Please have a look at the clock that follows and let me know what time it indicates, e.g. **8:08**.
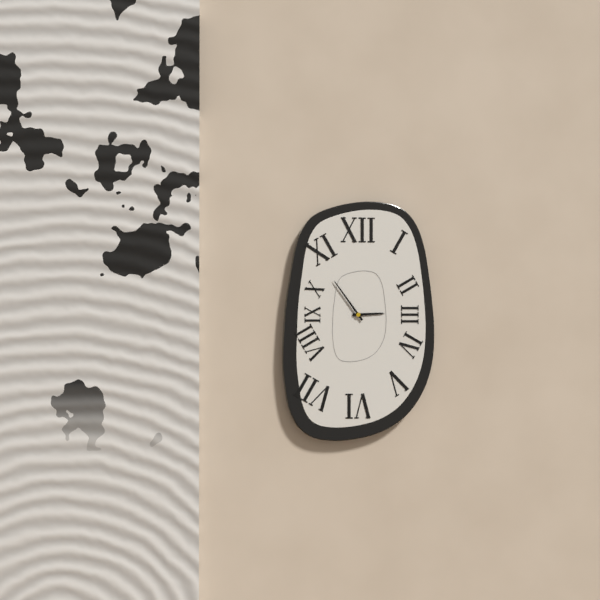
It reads **2:54**
